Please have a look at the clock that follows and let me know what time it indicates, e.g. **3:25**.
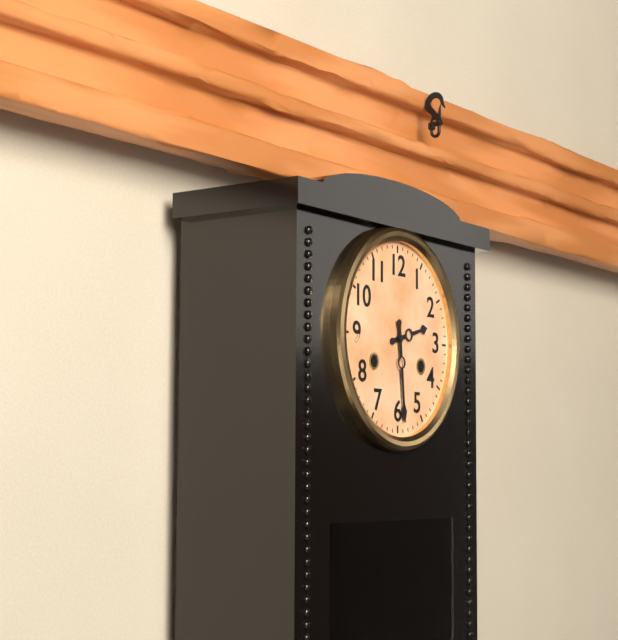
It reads **2:29**
